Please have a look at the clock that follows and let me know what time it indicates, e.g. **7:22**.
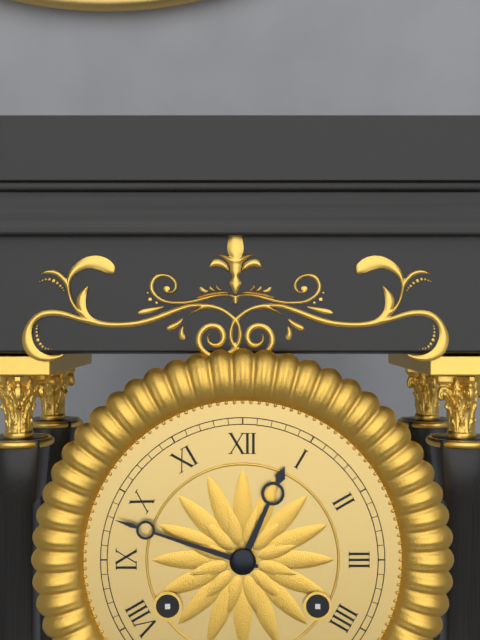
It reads **12:48**
